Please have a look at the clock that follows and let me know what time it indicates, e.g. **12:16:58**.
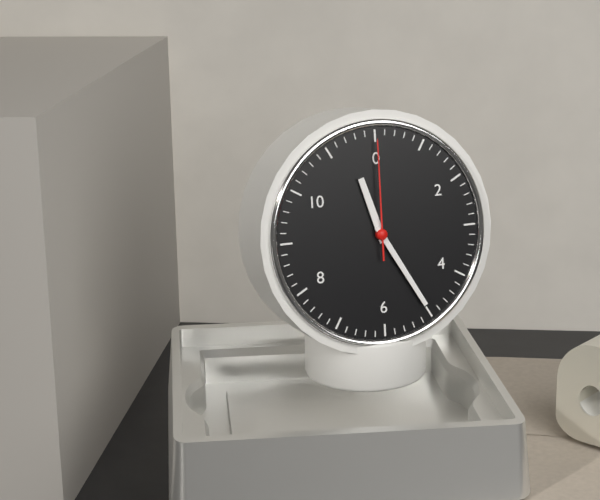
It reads **11:25:00**
